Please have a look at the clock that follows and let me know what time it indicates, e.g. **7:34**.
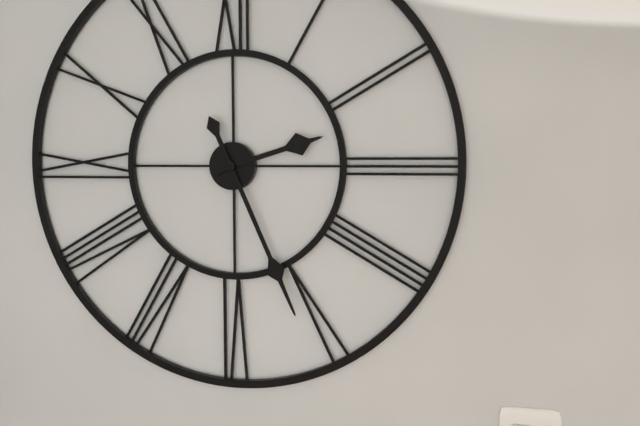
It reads **2:26**
